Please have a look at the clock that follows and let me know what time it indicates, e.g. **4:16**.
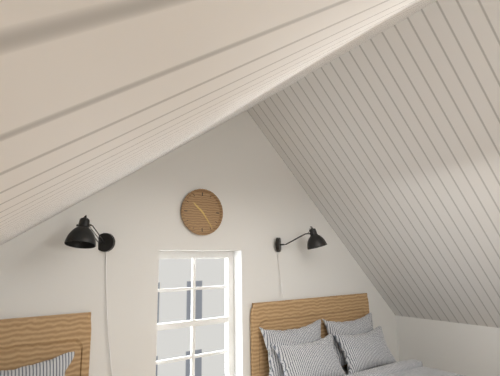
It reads **10:24**
